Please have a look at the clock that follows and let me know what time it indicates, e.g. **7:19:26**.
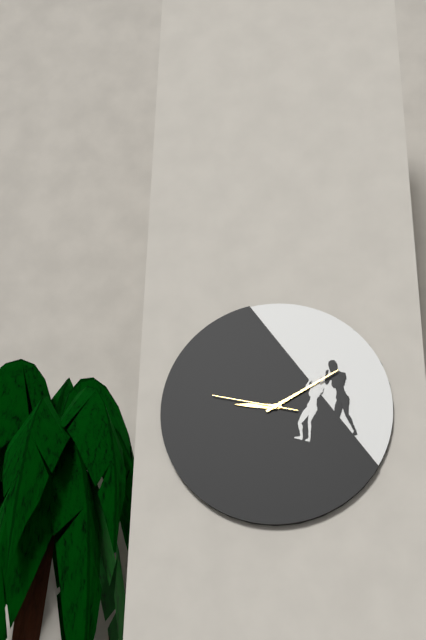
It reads **9:10:47**
